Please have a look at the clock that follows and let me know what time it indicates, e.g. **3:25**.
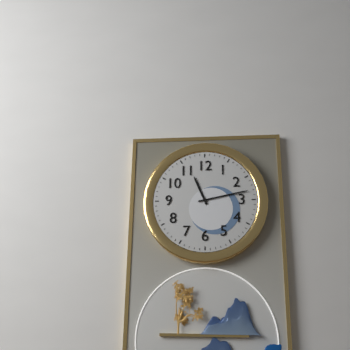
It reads **11:13**
